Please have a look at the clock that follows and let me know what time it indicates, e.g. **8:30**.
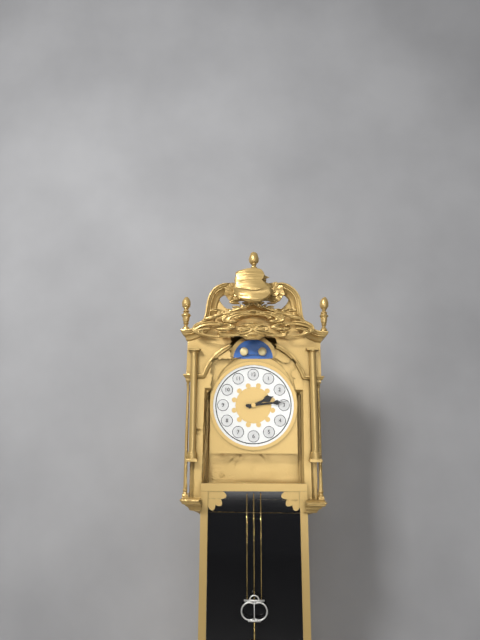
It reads **2:14**
